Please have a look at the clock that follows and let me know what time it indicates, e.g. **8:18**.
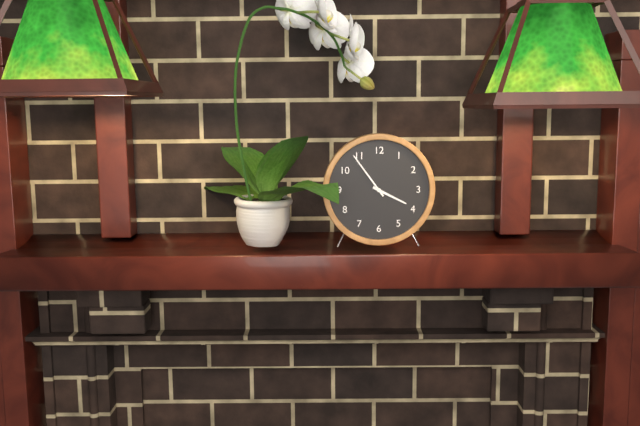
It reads **3:54**
